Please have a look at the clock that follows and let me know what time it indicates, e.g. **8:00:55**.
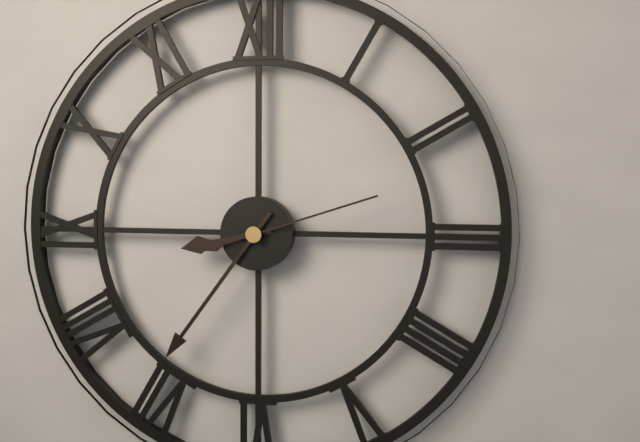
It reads **8:36:12**
